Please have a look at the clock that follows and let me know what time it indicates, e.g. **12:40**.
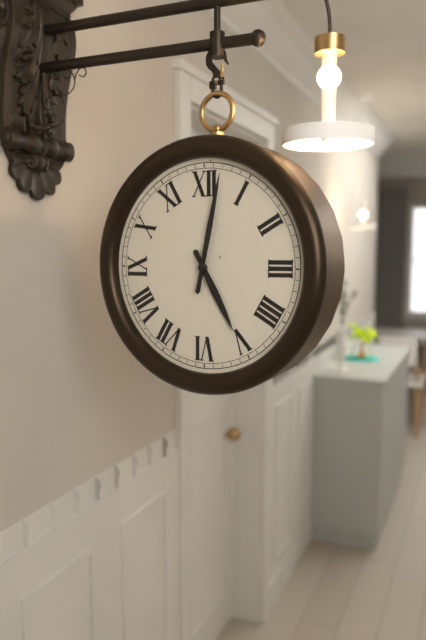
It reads **5:02**
